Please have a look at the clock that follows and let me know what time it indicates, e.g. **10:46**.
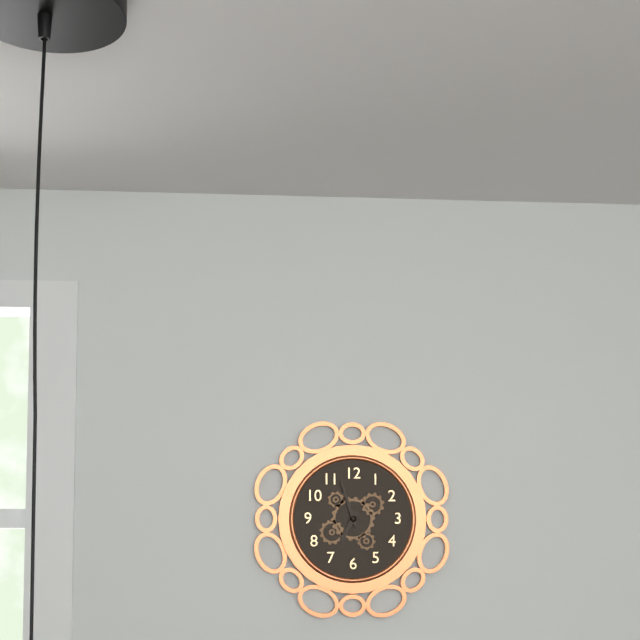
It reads **6:57**
